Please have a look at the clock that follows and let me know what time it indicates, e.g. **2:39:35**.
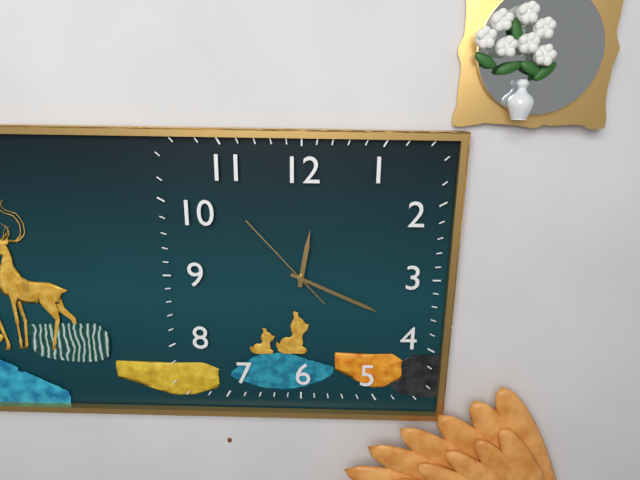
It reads **12:19:53**
